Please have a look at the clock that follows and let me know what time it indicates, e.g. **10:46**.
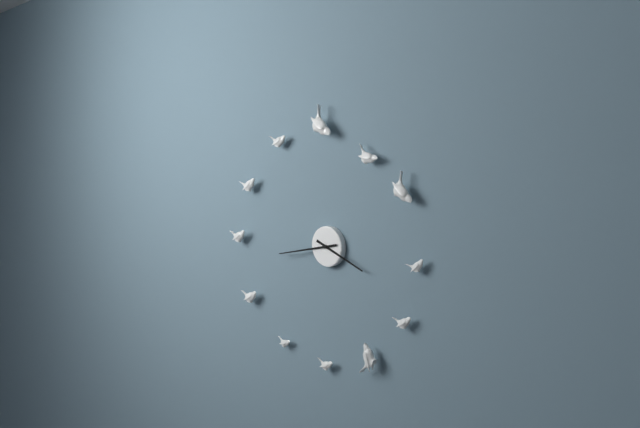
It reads **3:43**
